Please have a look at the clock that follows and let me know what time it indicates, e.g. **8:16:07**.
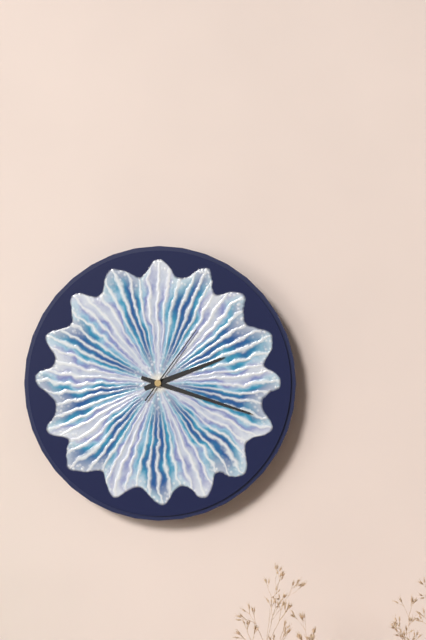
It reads **2:18:06**
